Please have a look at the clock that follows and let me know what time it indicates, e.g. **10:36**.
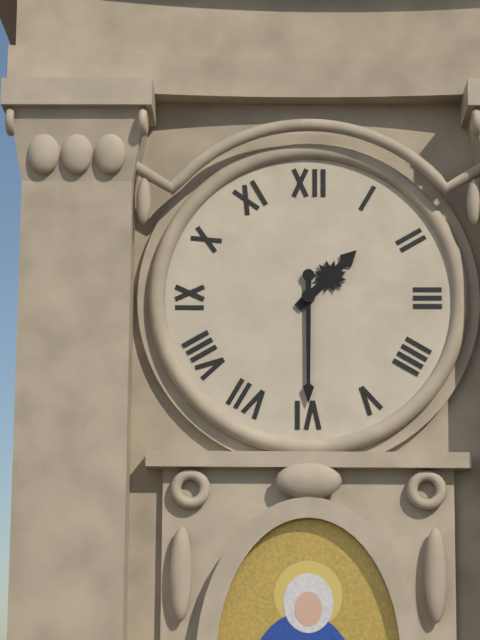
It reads **1:30**
